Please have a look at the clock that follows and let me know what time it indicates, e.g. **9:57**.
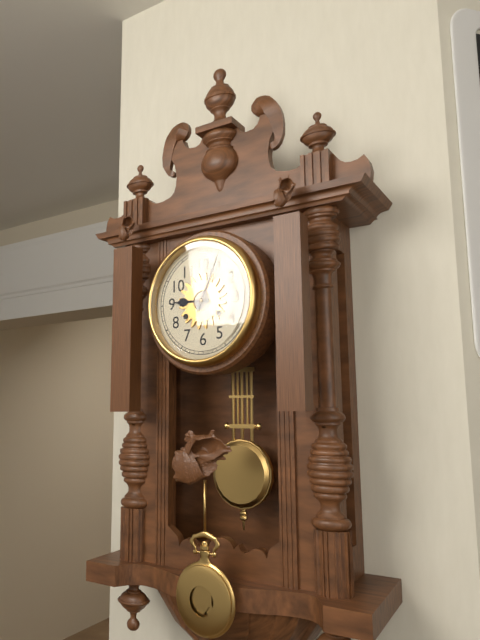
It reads **9:04**
